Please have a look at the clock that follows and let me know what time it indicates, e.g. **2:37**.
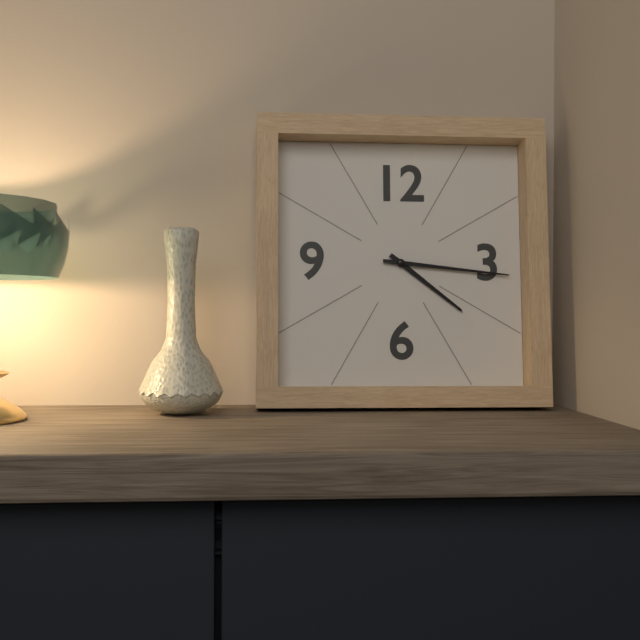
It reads **4:16**
